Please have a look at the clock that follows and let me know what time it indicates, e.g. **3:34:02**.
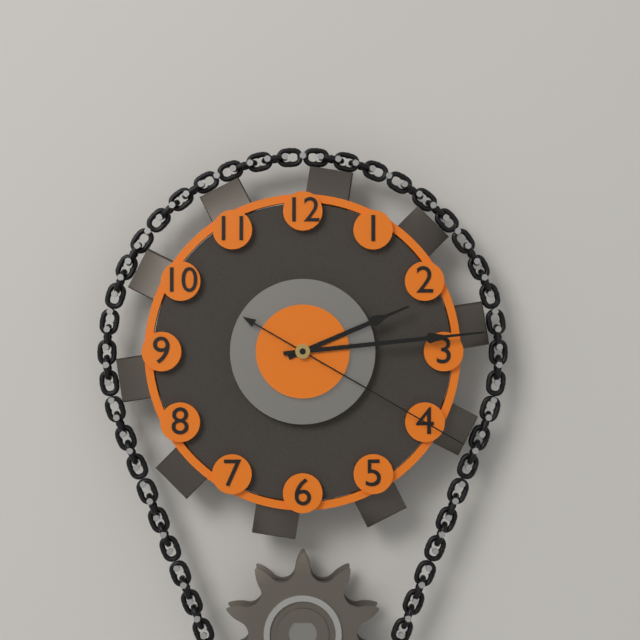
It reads **2:14:20**
